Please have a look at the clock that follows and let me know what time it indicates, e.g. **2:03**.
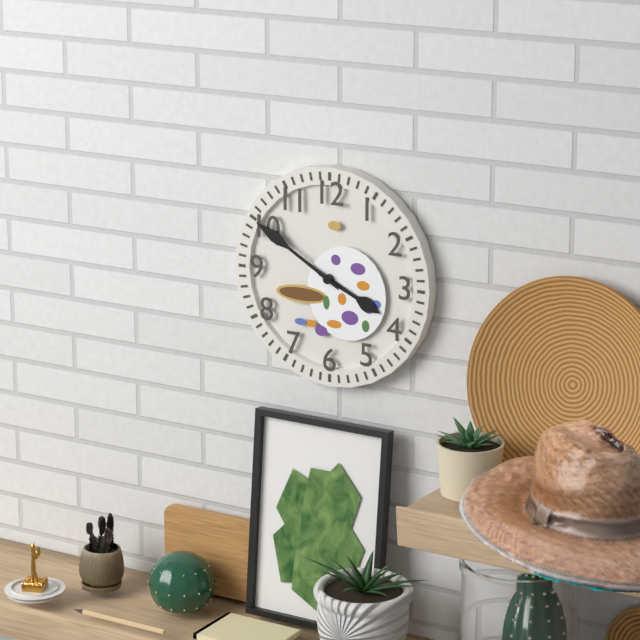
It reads **3:50**
